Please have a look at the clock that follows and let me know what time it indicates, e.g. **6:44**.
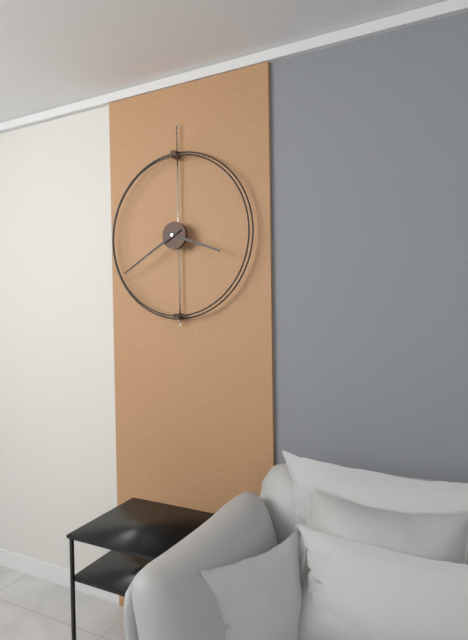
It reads **3:40**
